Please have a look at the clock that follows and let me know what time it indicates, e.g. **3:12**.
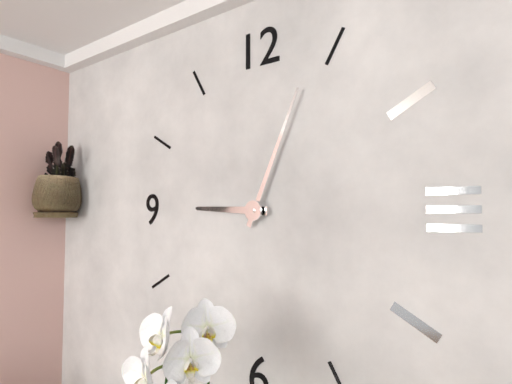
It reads **9:04**
